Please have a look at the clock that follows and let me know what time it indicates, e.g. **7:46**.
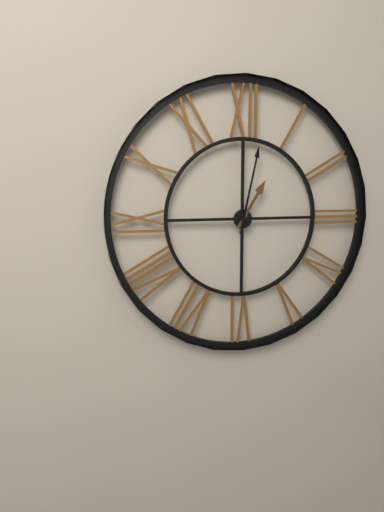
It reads **1:02**
